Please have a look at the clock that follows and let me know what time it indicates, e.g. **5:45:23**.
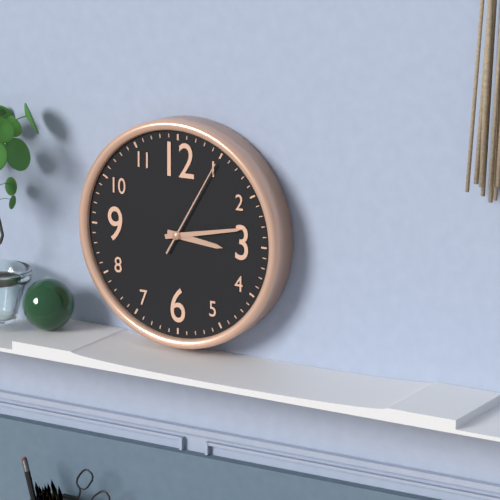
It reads **3:13:05**
